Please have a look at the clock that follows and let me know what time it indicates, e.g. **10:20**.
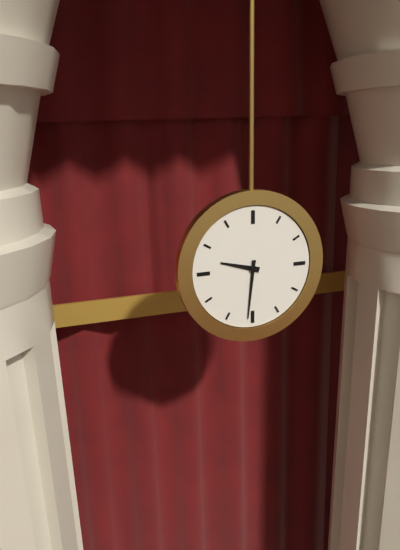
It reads **9:31**
